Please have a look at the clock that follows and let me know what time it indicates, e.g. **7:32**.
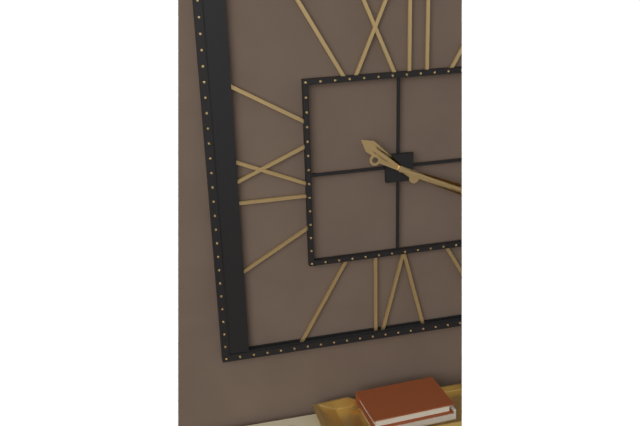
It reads **10:19**
